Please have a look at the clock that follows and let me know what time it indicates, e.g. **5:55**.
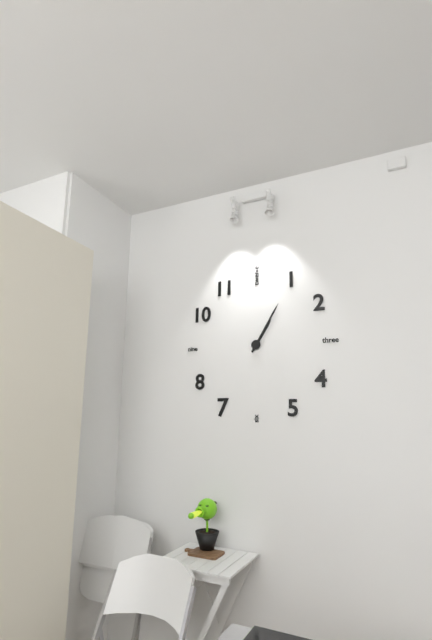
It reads **1:05**
